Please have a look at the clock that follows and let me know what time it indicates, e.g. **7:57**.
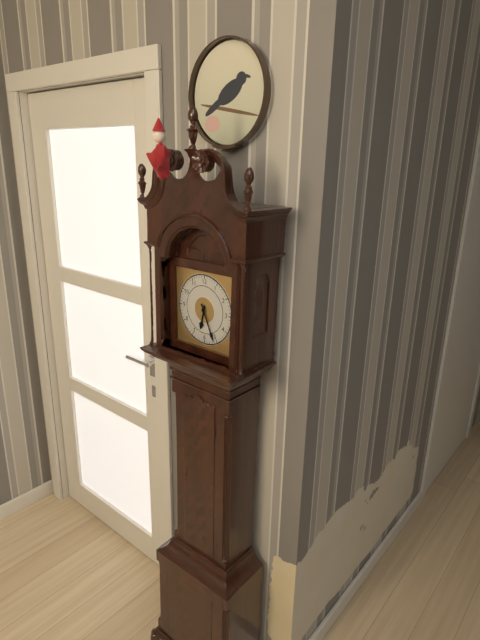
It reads **6:26**
